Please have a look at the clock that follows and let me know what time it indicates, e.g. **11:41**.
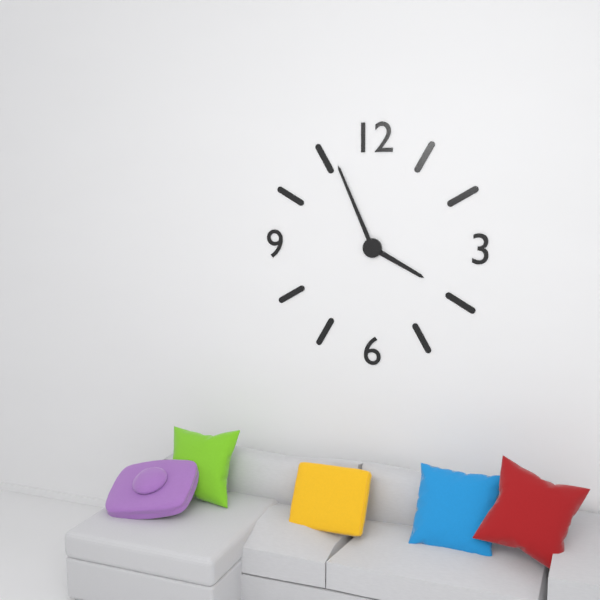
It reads **3:56**
